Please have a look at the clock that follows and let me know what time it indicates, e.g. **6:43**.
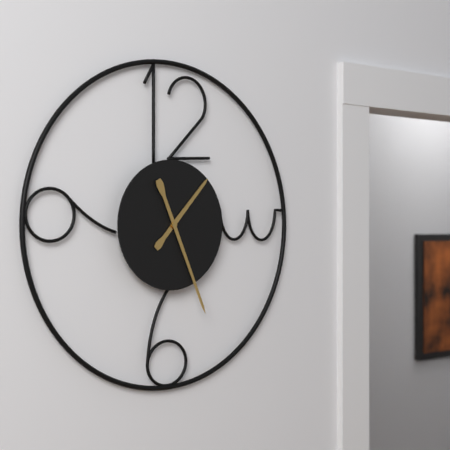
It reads **1:26**
